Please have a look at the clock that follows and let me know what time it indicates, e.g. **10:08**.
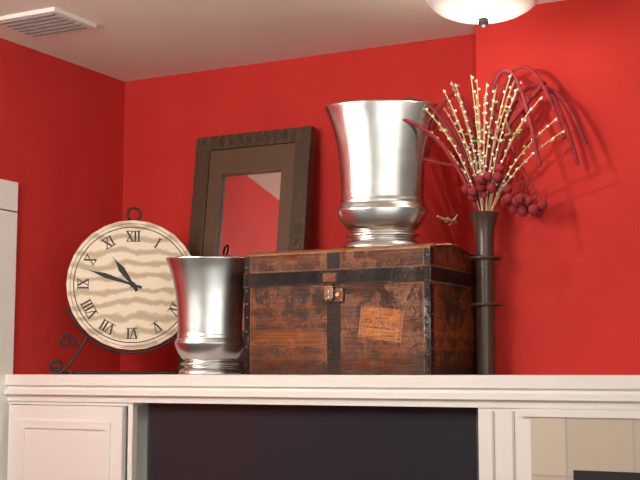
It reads **10:48**
